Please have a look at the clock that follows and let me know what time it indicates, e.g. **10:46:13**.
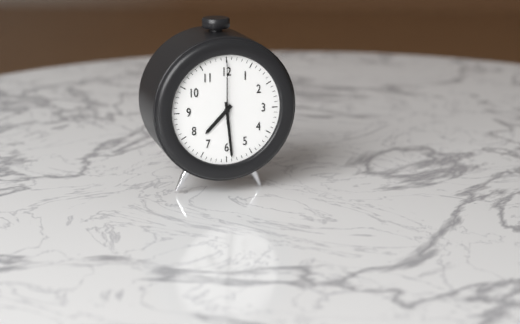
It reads **7:29:00**
